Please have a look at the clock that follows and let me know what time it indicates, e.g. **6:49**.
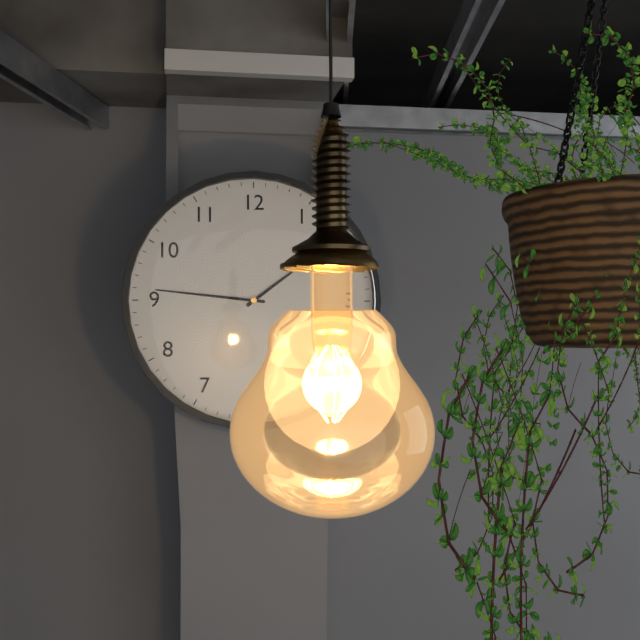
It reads **1:46**
